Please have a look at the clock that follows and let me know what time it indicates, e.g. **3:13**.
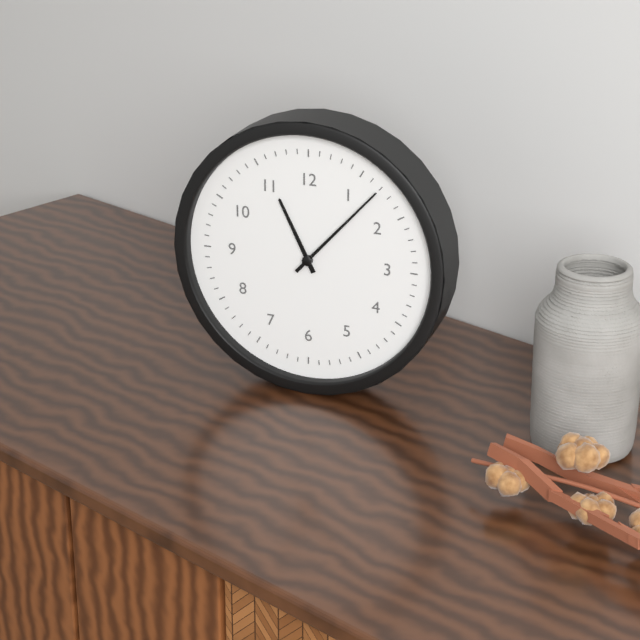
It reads **11:07**
